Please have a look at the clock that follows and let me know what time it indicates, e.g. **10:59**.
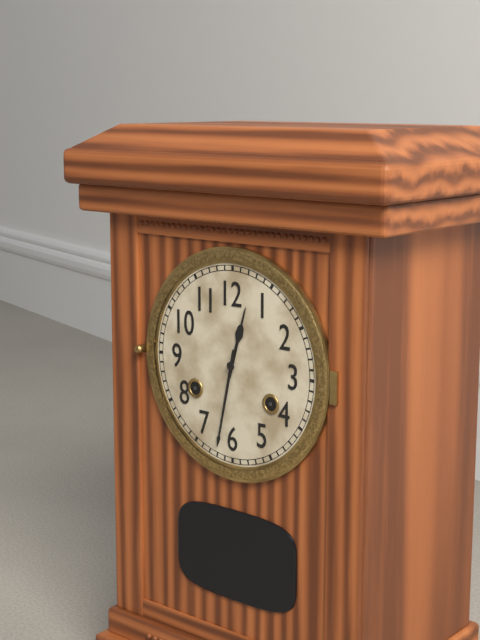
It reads **12:32**
